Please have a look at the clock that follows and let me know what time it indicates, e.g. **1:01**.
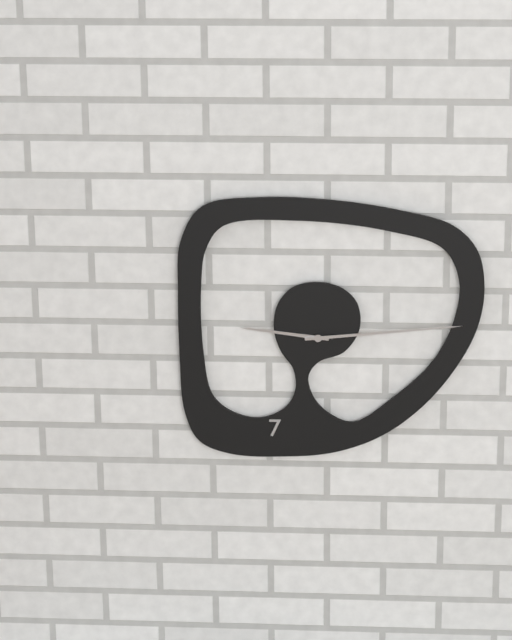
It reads **9:14**
